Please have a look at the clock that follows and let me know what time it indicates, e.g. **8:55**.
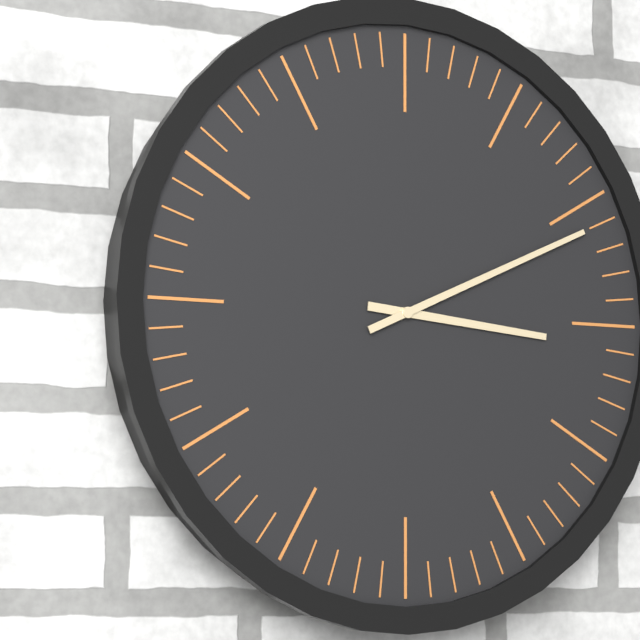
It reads **3:11**
